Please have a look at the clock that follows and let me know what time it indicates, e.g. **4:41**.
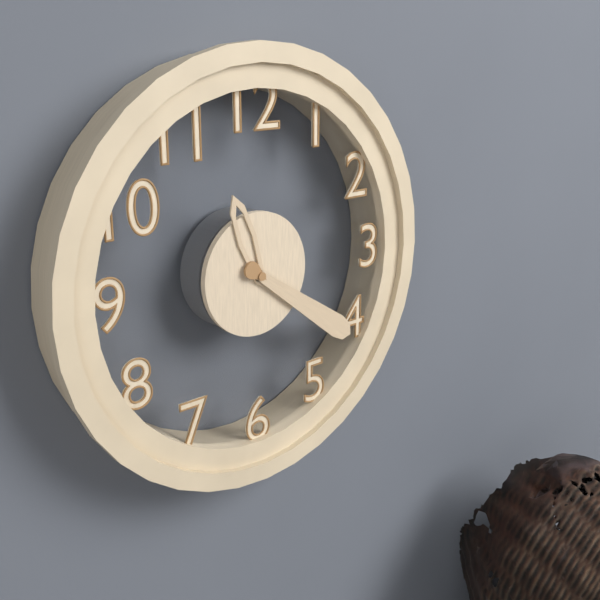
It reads **11:21**
